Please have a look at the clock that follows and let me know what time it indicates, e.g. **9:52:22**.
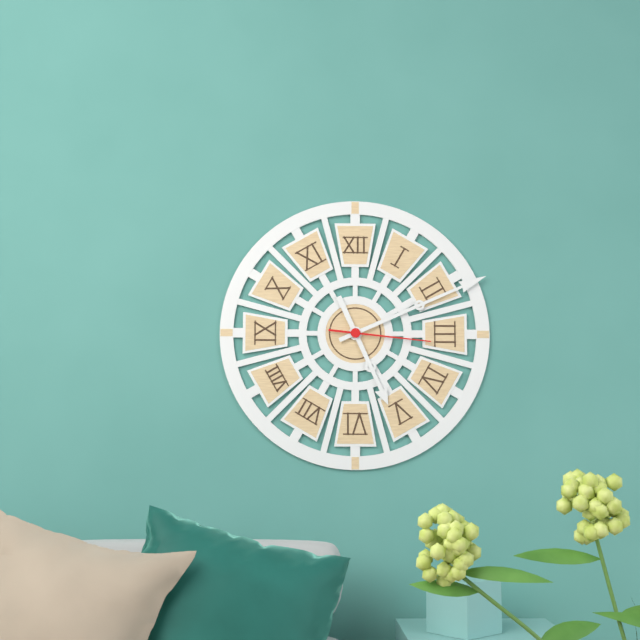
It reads **5:11:16**
